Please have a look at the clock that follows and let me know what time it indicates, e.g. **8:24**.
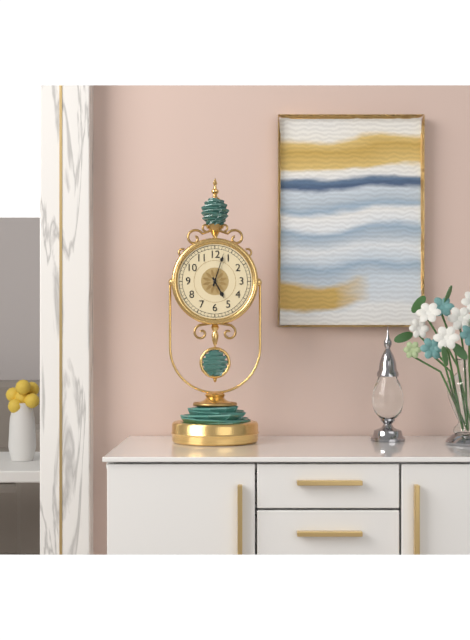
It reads **5:03**
